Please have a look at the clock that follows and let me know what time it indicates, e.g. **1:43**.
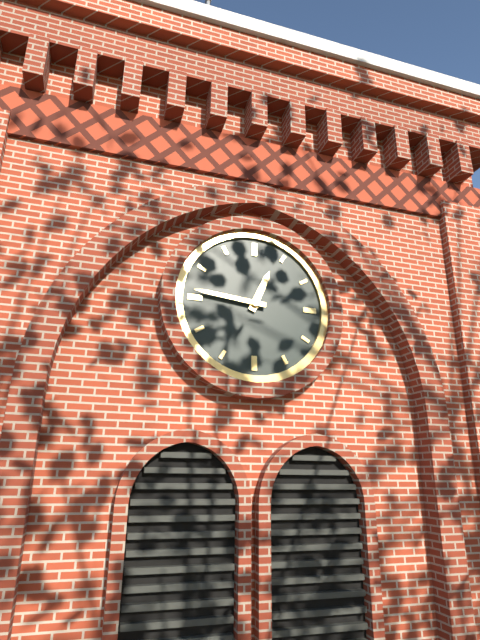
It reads **12:46**
